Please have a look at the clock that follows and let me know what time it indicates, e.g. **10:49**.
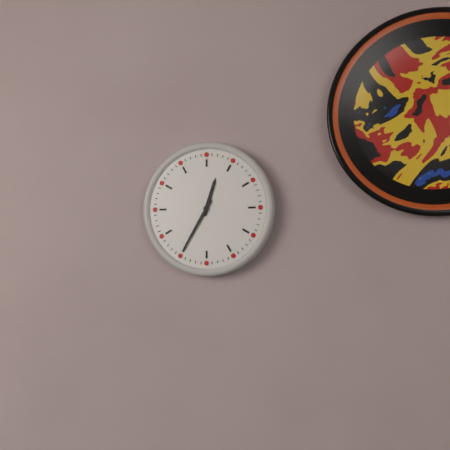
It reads **12:35**
